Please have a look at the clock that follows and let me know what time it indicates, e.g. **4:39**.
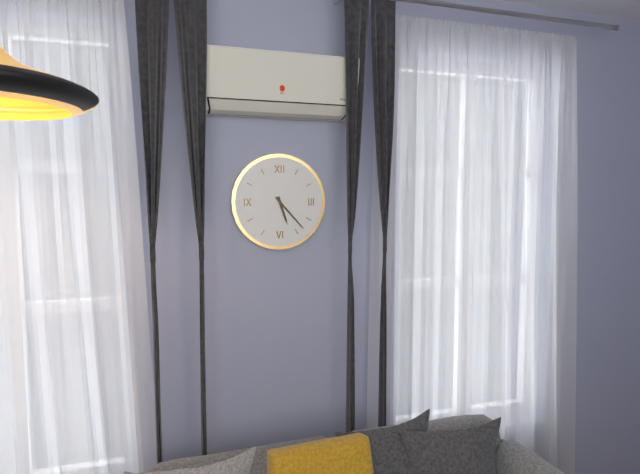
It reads **5:23**
